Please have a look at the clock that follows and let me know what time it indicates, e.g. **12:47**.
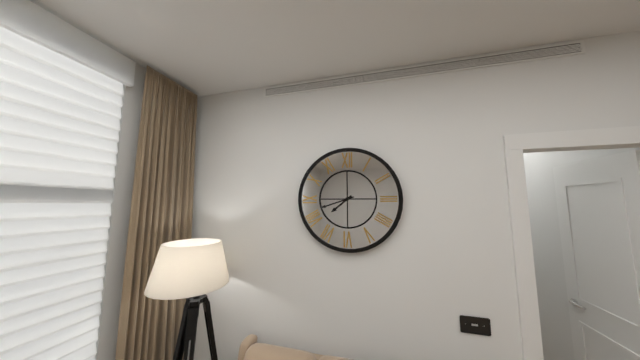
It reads **7:42**
